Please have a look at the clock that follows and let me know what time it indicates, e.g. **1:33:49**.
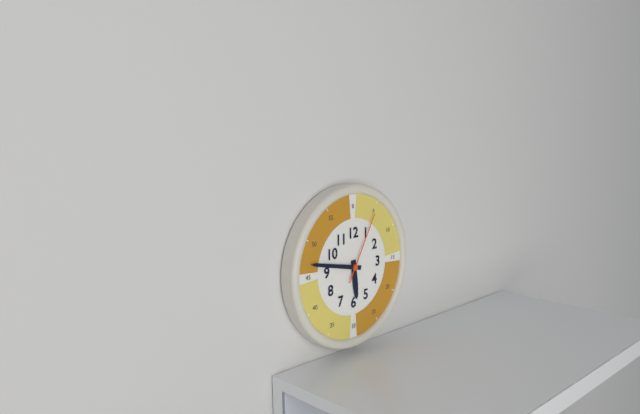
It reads **5:47:05**
